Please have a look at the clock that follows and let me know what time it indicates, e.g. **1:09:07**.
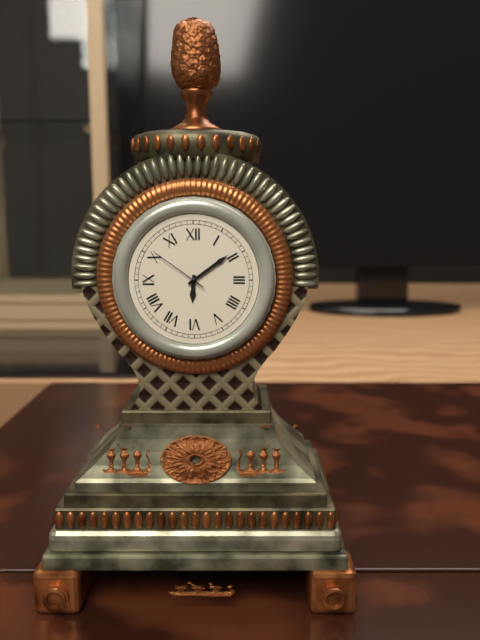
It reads **6:09:51**
